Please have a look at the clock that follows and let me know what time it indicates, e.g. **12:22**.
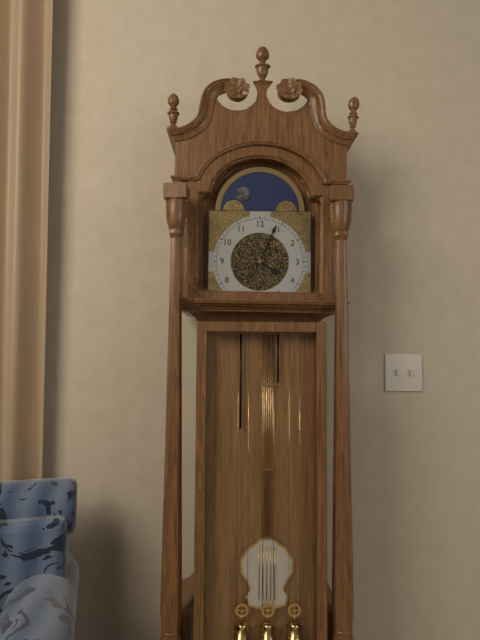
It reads **4:04**
